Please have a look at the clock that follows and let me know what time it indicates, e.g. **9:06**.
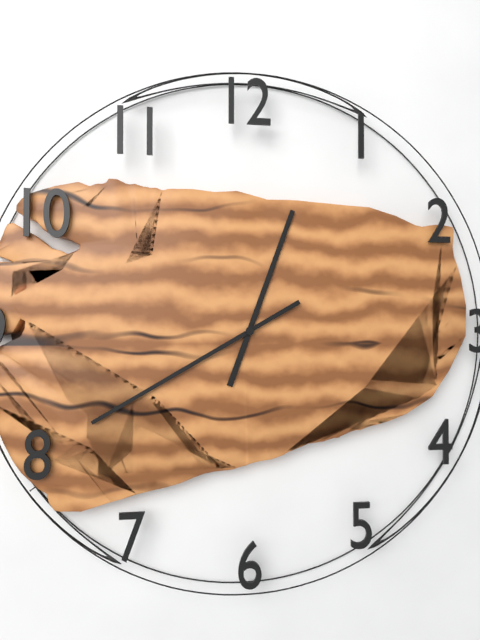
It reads **12:40**
